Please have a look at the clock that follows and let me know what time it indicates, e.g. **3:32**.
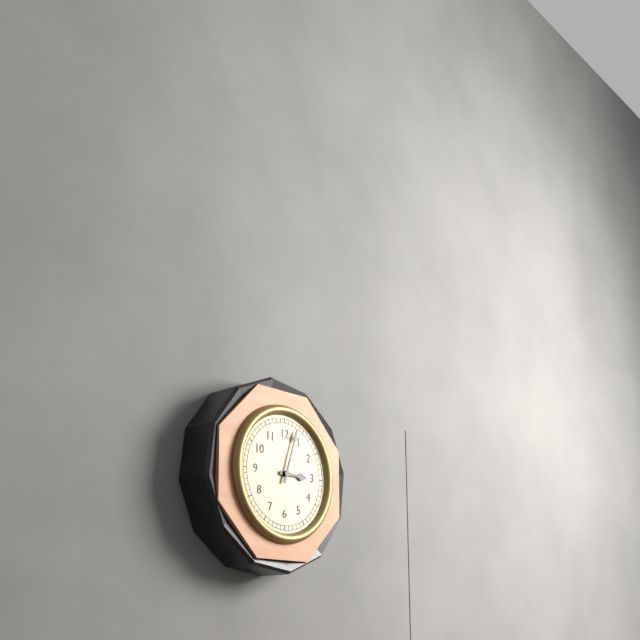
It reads **3:03**
